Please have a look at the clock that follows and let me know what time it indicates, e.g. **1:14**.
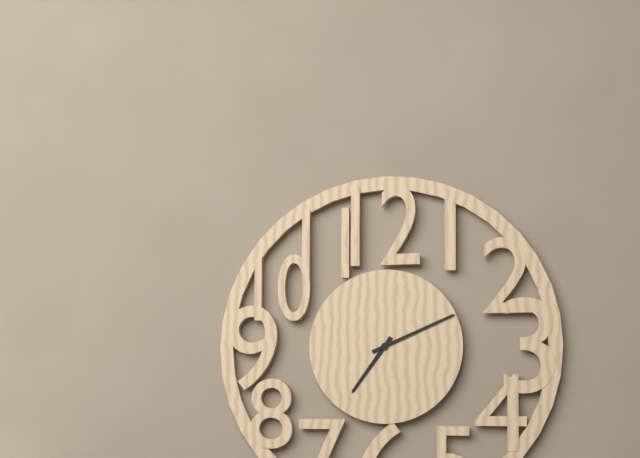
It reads **7:11**
